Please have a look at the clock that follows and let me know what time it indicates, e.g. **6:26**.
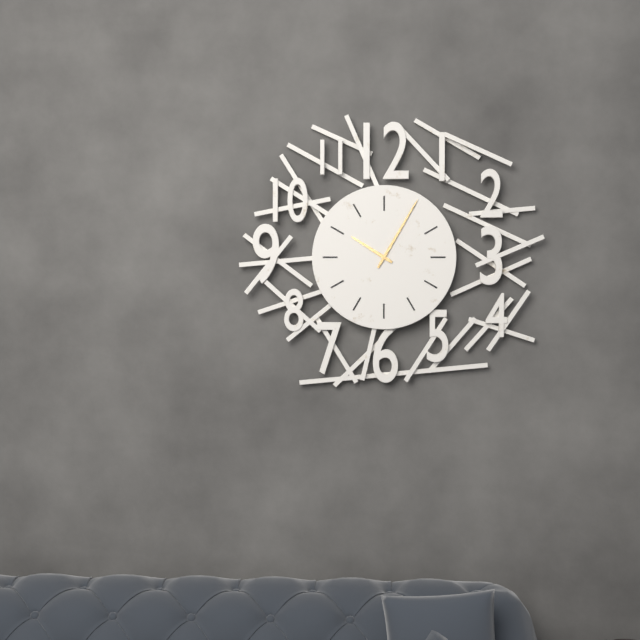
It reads **10:05**
